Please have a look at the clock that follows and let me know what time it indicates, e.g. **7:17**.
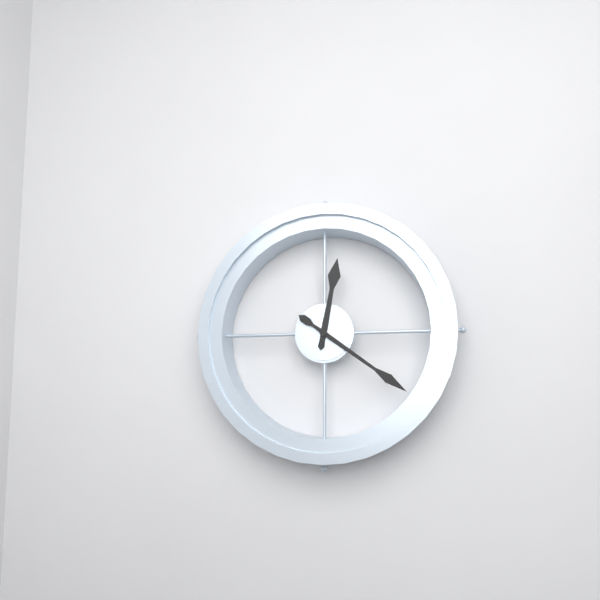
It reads **12:21**
